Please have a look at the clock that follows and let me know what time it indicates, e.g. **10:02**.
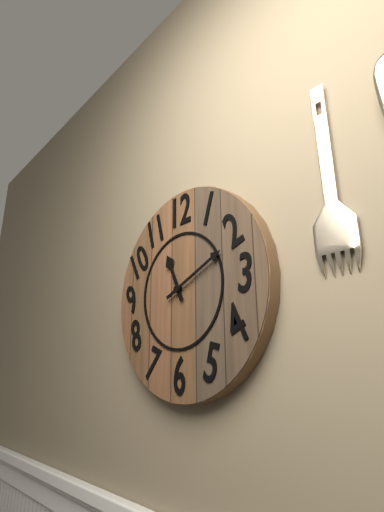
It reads **11:11**
